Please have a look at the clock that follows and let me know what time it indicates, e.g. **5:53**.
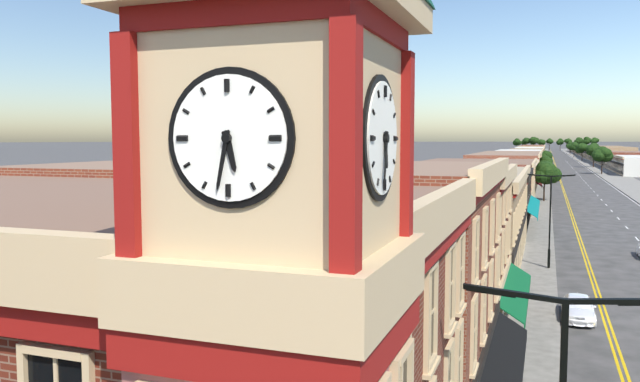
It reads **5:32**
